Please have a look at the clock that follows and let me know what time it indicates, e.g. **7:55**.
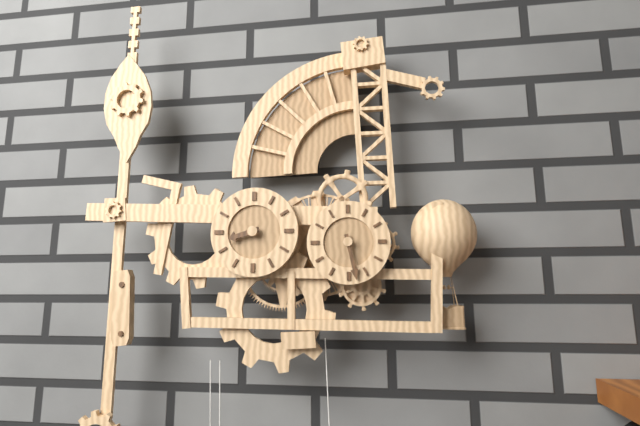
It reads **8:28**
